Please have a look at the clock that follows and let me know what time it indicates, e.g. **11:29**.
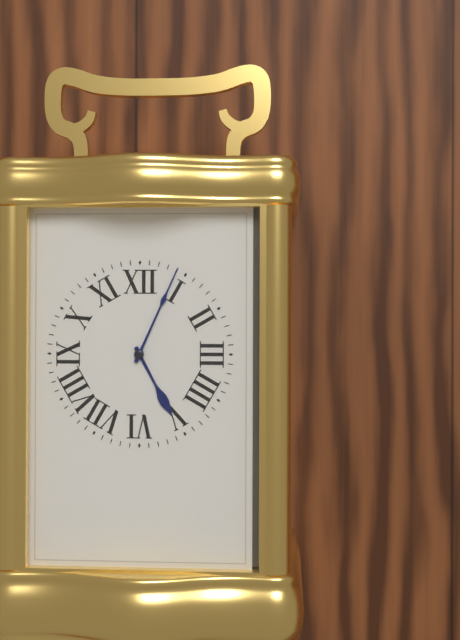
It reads **5:04**
